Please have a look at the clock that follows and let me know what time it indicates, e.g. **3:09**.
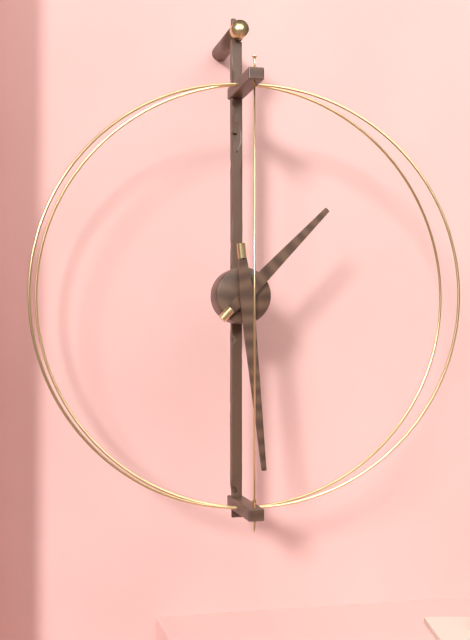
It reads **1:29**
